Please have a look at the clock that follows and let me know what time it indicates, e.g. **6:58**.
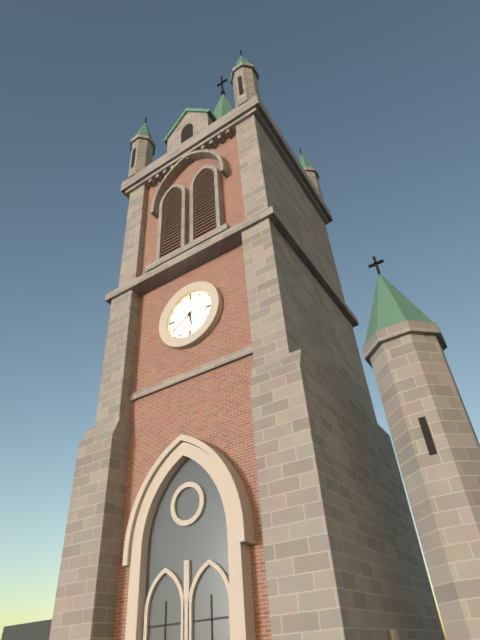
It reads **5:40**
